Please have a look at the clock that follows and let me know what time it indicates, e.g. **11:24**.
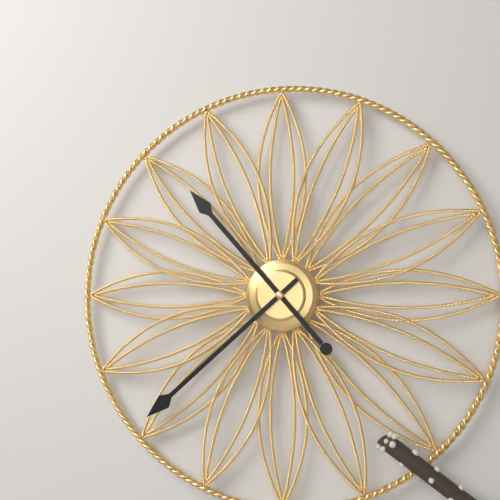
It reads **10:38**
